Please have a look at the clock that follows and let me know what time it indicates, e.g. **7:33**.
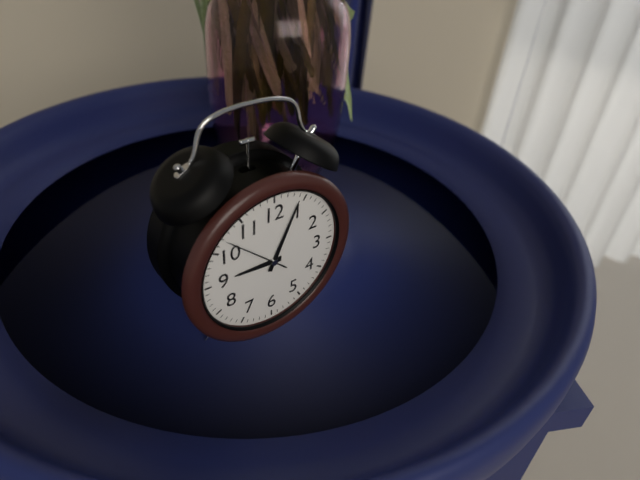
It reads **9:04**
